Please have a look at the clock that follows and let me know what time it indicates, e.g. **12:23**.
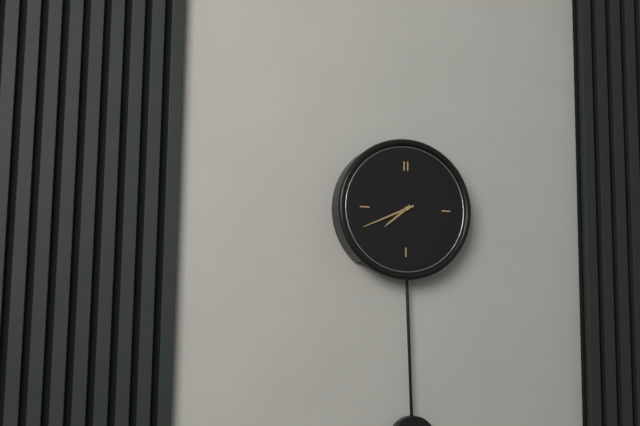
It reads **7:41**
